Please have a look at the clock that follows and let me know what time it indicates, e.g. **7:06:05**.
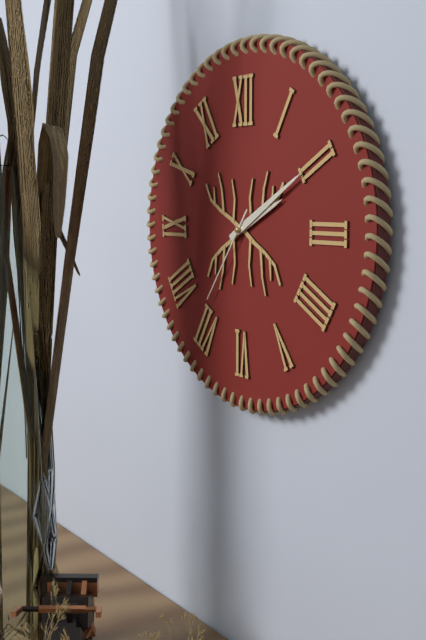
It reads **2:10:36**
